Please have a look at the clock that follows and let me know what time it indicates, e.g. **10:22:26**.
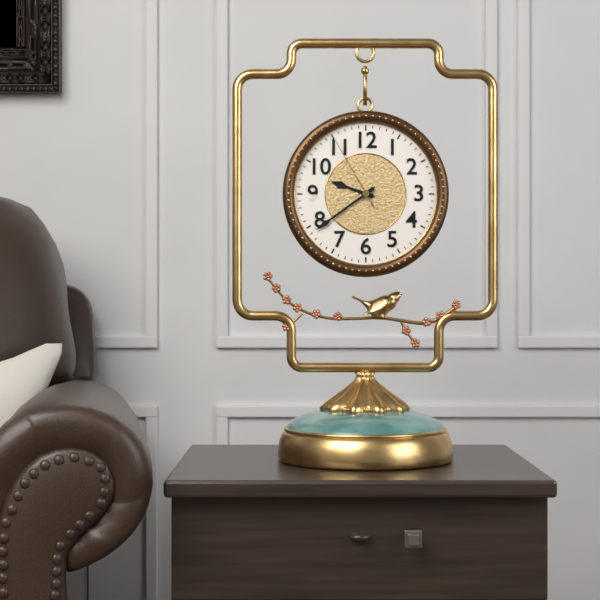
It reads **9:39:55**
